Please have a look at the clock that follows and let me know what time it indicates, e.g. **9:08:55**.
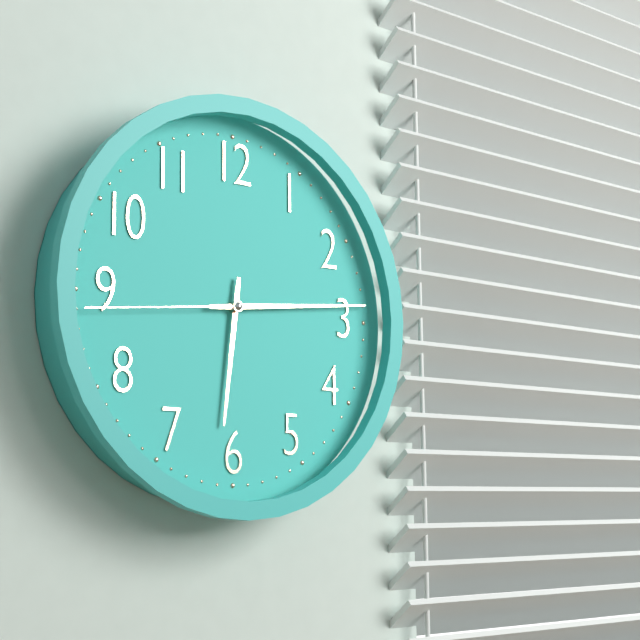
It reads **6:14:44**
